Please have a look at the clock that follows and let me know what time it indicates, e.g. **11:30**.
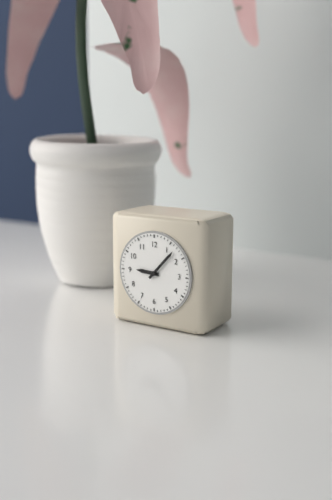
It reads **9:07**
